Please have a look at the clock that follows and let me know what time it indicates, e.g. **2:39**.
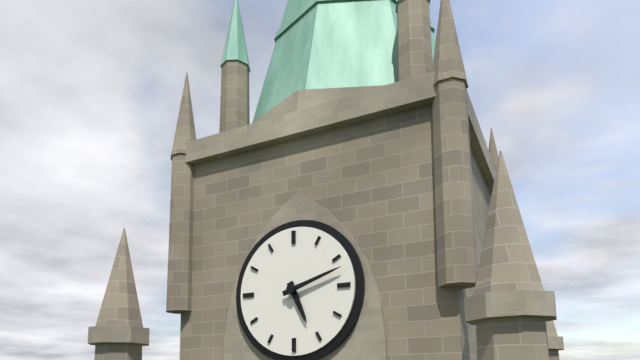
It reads **5:12**
